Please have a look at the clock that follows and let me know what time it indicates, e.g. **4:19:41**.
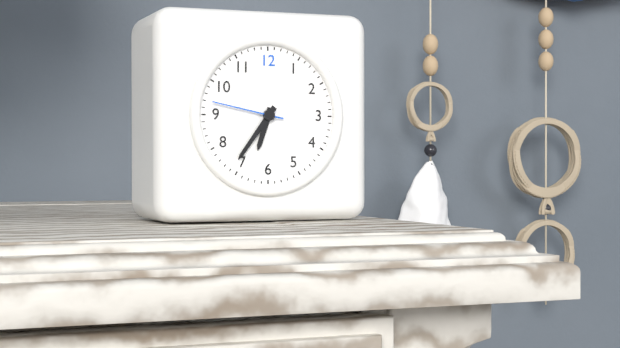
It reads **6:36:47**
